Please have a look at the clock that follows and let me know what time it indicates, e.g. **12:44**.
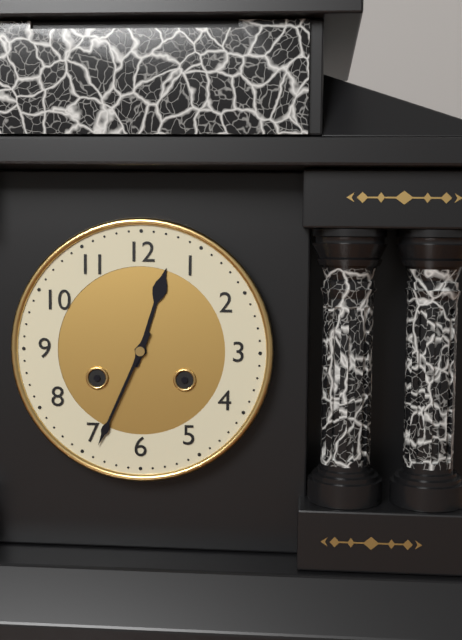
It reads **12:34**
